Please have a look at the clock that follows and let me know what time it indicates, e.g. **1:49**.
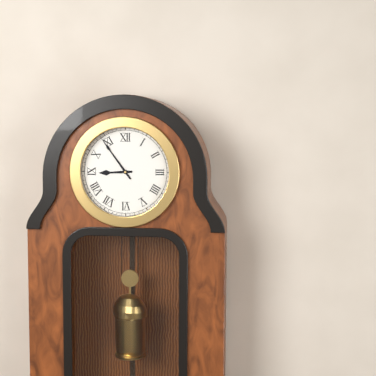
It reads **8:54**
